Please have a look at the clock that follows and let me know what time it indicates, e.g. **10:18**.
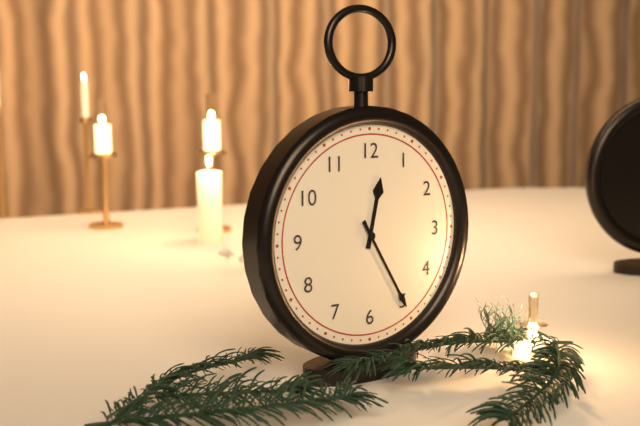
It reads **12:25**
